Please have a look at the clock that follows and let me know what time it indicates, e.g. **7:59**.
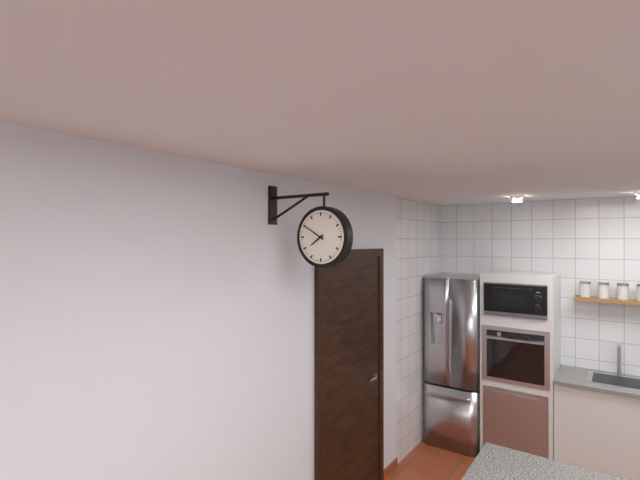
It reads **7:50**
